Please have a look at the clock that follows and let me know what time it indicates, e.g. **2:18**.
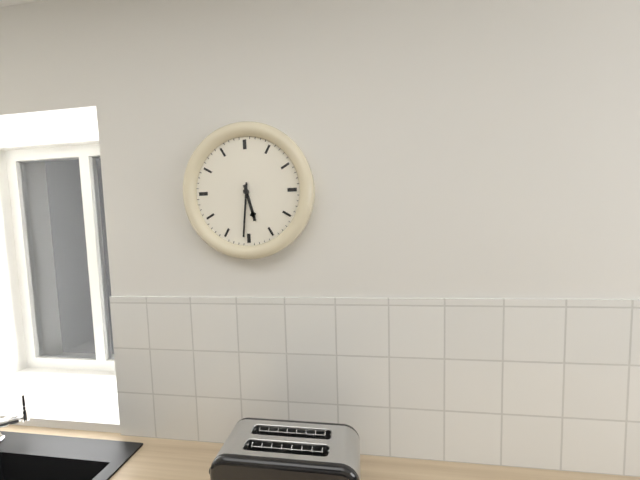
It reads **5:31**
